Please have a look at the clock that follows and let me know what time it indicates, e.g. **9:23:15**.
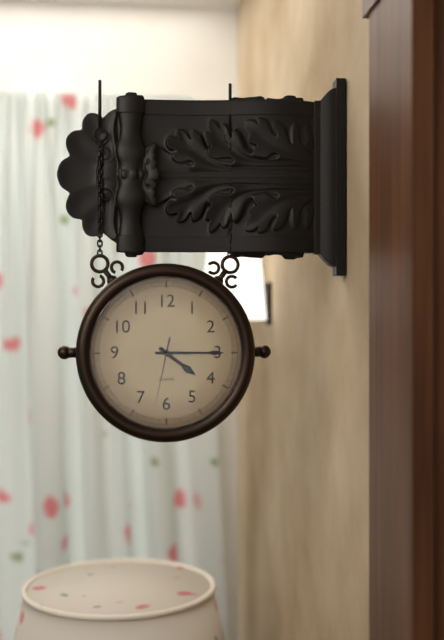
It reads **4:15:32**
